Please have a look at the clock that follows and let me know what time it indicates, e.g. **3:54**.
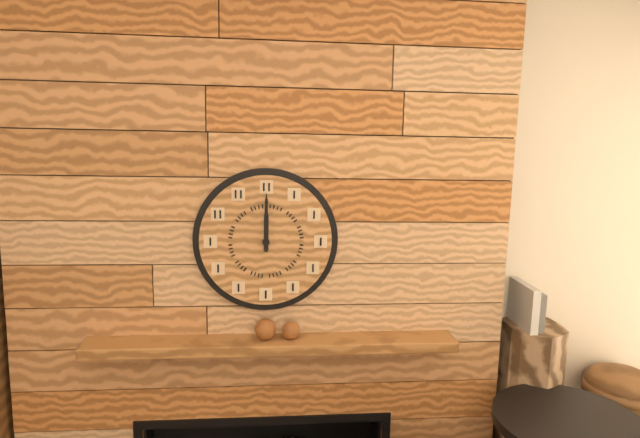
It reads **12:00**
